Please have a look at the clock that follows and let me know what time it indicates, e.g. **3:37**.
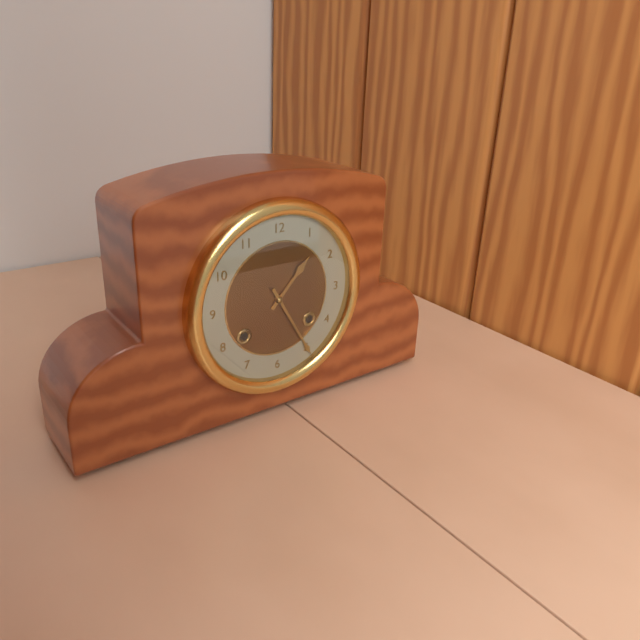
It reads **1:25**
